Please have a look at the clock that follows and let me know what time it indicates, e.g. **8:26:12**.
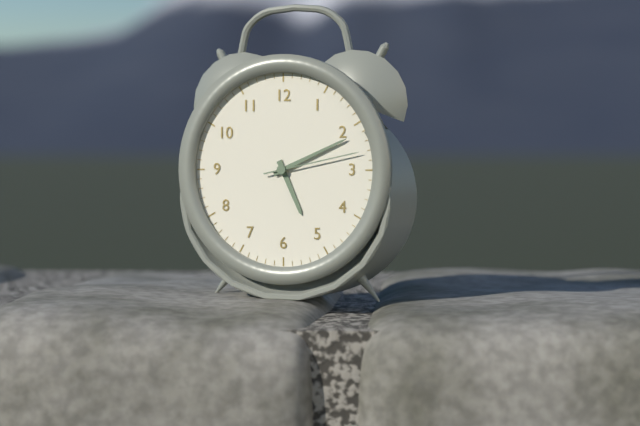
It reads **5:11:13**
